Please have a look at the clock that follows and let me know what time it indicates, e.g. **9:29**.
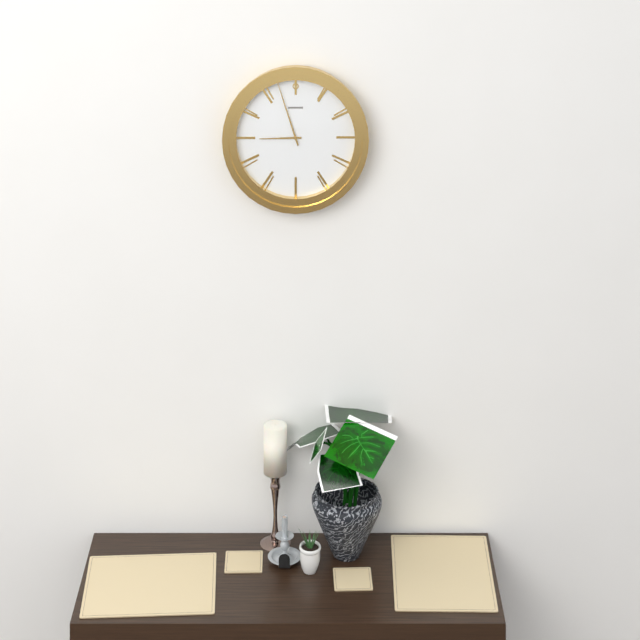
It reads **8:57**
